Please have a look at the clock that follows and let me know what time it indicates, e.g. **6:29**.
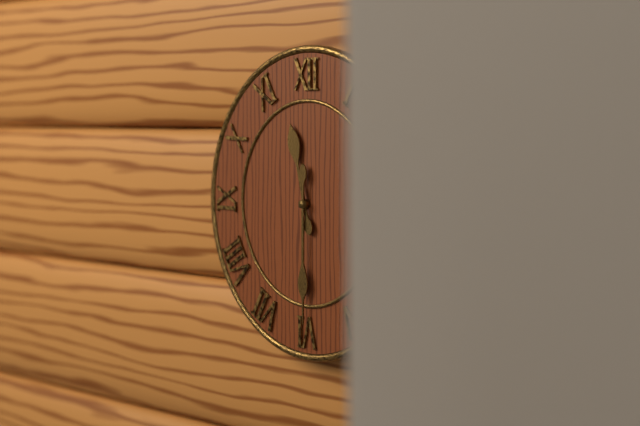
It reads **11:30**
